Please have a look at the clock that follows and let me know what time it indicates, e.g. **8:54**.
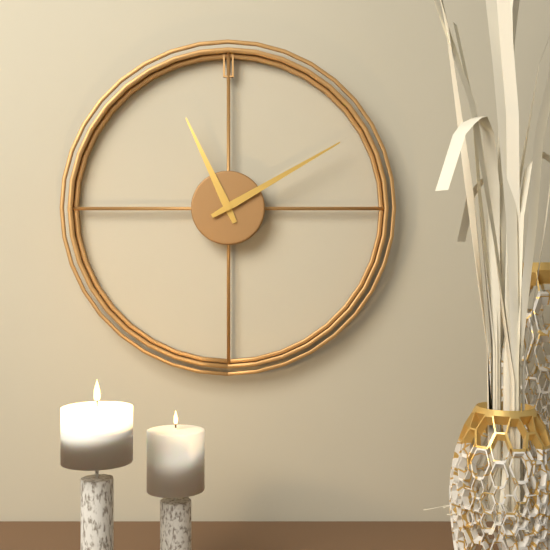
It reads **11:10**
